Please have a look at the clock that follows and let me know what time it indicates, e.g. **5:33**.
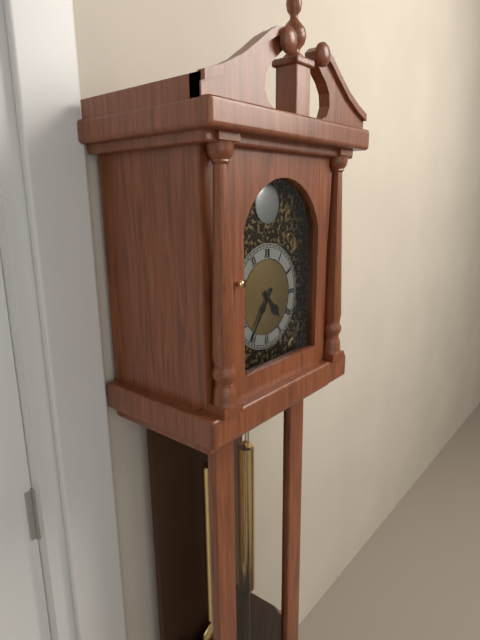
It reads **4:36**
